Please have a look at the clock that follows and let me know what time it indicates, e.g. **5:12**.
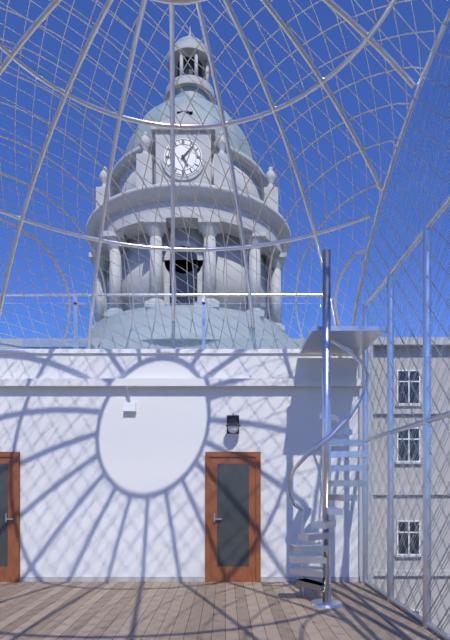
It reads **5:07**
